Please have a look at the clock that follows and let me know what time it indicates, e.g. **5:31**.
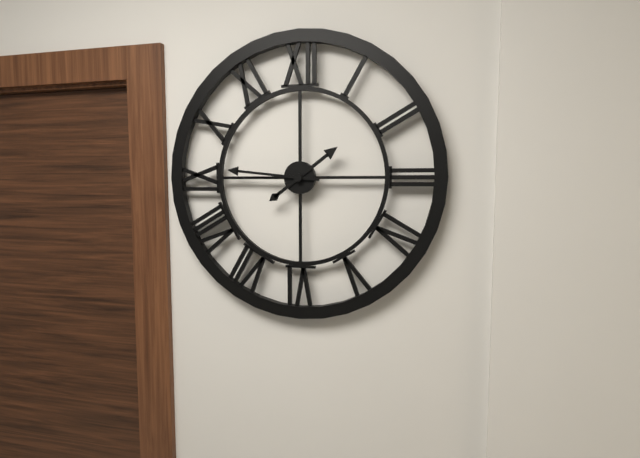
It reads **1:46**
